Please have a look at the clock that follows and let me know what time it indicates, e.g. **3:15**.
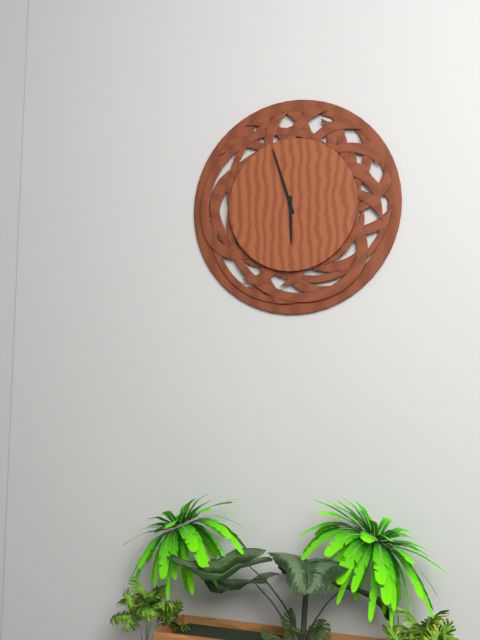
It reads **5:57**
